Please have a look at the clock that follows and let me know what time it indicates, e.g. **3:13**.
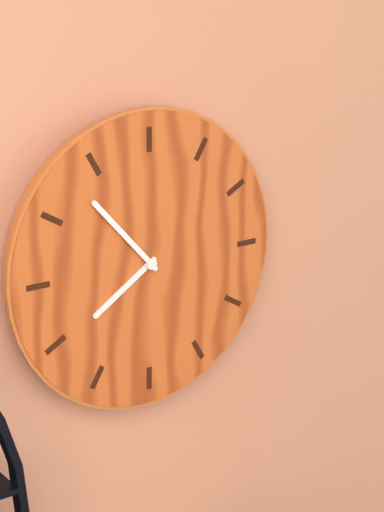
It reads **7:53**
